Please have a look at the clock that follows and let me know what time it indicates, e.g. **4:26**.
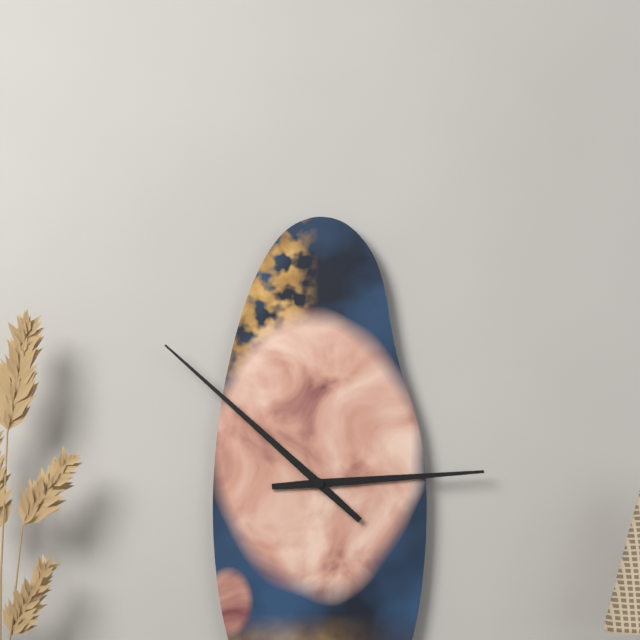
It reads **2:52**
